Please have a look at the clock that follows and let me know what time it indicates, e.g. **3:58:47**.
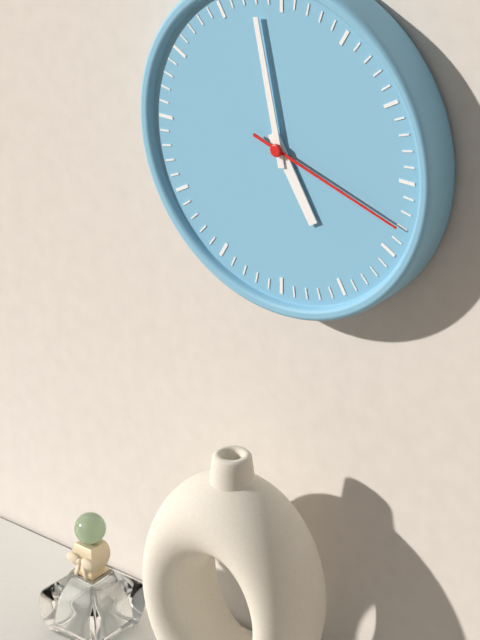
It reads **4:58:18**
